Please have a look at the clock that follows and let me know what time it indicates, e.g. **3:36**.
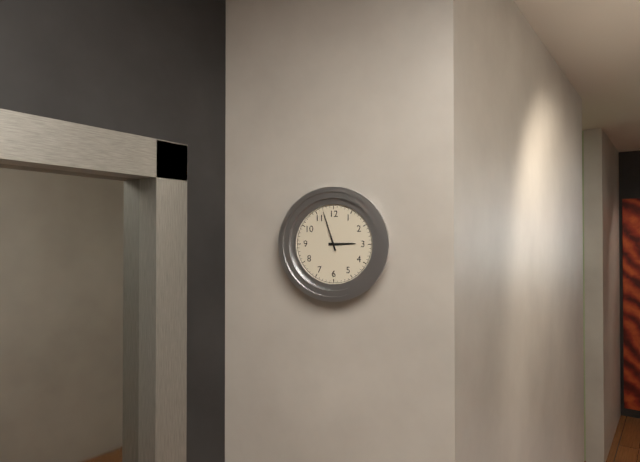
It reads **2:57**
